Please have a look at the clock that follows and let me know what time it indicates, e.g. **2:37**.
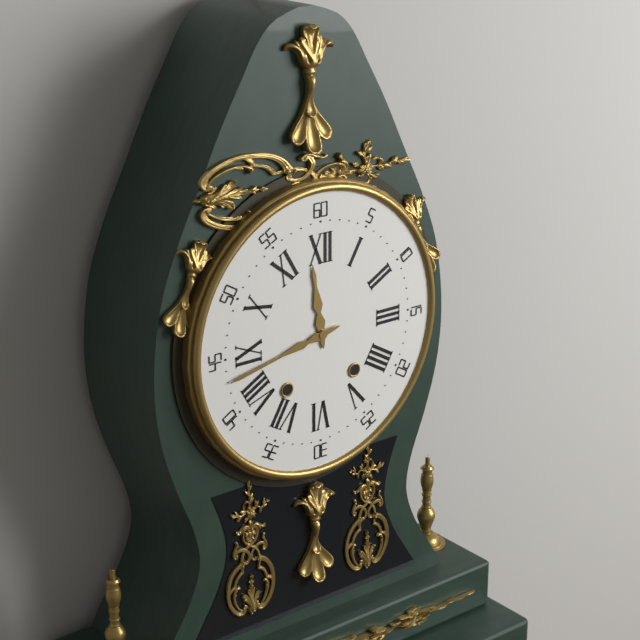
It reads **11:43**
